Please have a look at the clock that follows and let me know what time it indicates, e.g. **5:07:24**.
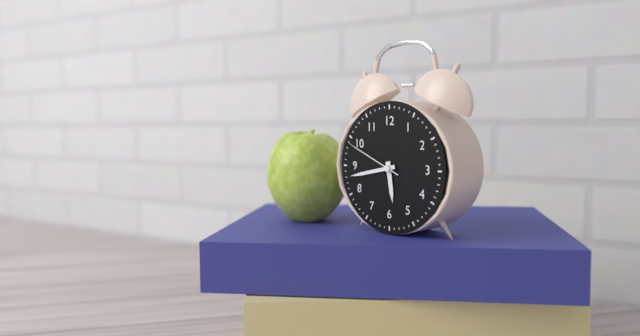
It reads **5:43:49**
